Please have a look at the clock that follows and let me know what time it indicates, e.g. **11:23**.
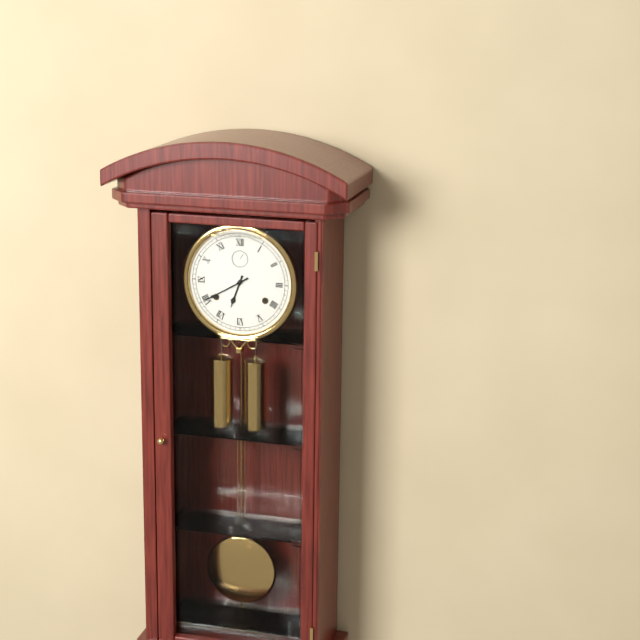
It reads **6:40**
